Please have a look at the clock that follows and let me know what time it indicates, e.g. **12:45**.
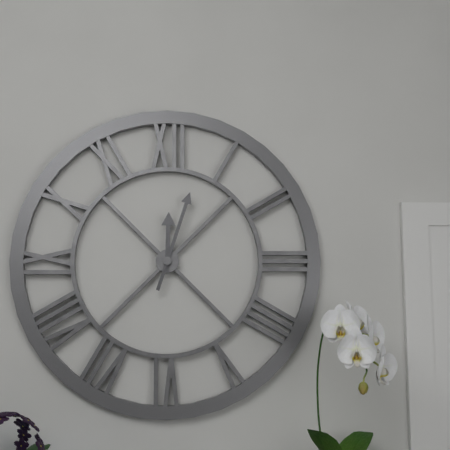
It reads **12:03**
